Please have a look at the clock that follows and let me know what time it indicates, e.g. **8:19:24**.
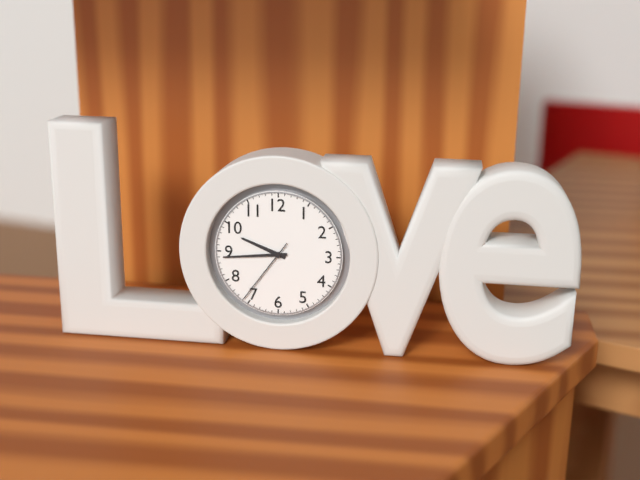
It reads **9:44:36**
